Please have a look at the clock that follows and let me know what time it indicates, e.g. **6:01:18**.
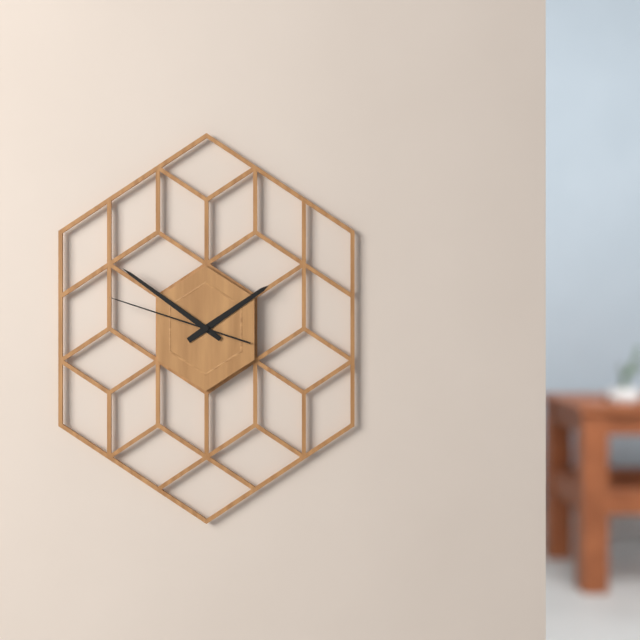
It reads **1:51:48**
